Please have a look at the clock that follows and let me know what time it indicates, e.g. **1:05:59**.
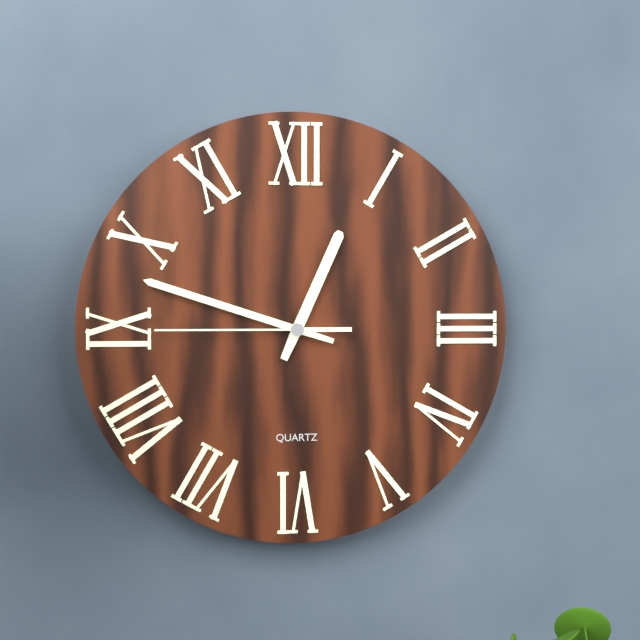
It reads **12:48:45**
